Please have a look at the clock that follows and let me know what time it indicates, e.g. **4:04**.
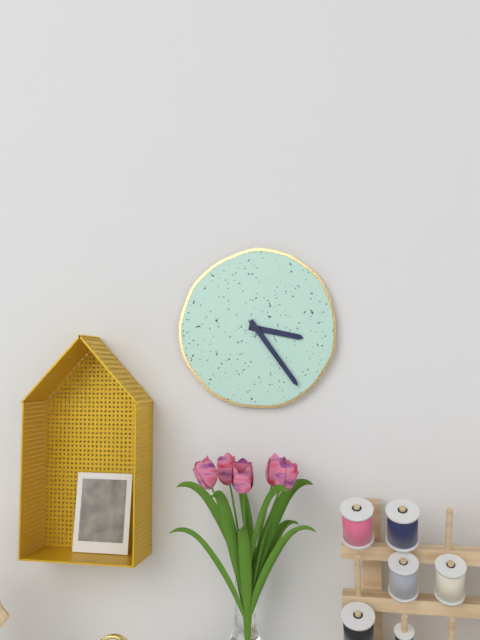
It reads **3:24**
